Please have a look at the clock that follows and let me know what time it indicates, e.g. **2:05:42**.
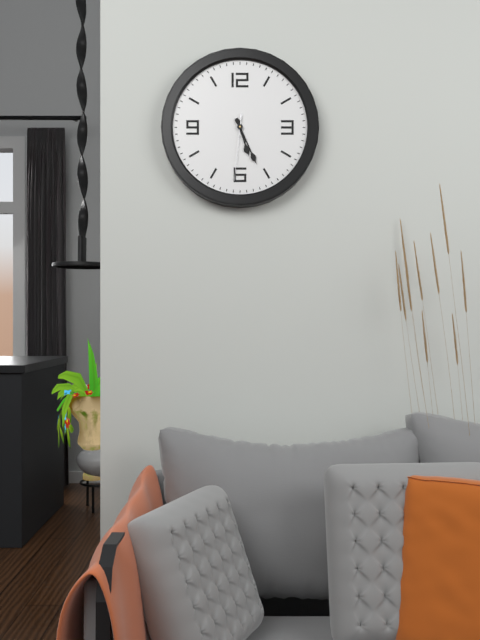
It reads **5:26:31**
